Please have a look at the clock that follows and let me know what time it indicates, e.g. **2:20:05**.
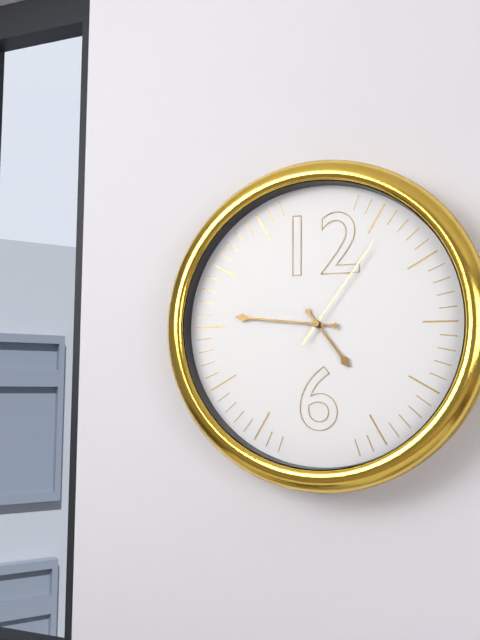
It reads **4:46:06**
